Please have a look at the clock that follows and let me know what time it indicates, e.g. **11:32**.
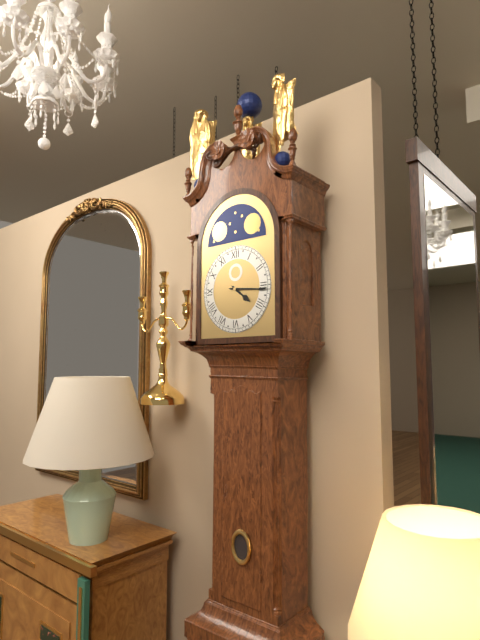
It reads **4:16**
